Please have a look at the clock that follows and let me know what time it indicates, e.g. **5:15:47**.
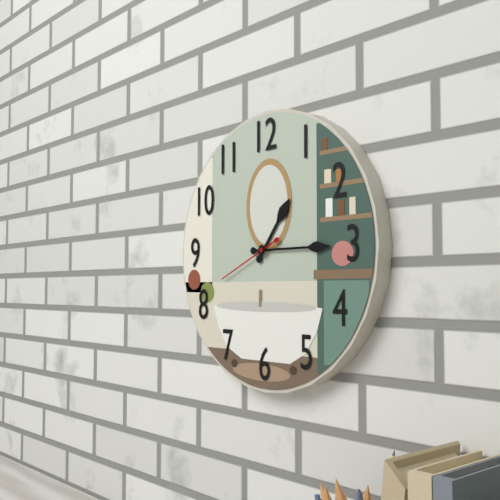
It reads **1:15:41**
